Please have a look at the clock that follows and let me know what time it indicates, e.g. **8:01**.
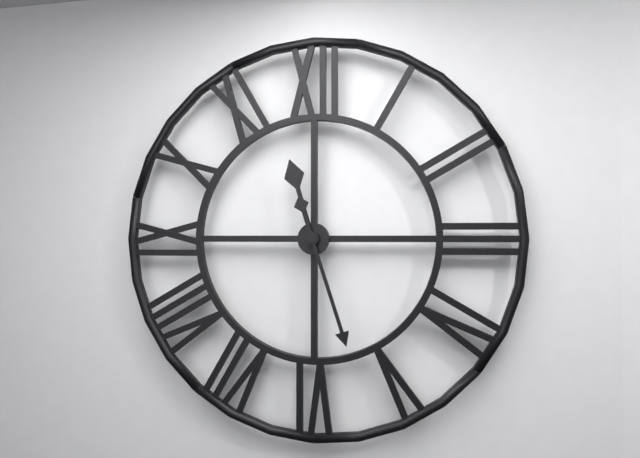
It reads **11:27**
